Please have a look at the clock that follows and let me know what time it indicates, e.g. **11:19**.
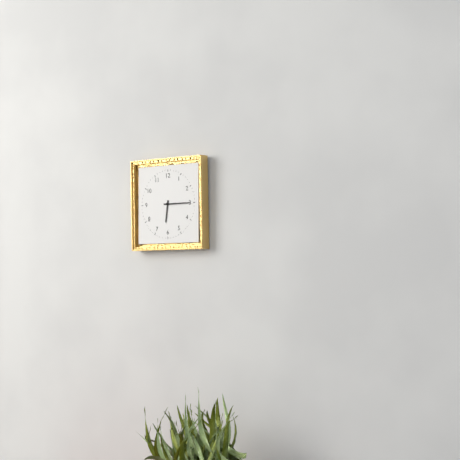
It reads **6:15**
